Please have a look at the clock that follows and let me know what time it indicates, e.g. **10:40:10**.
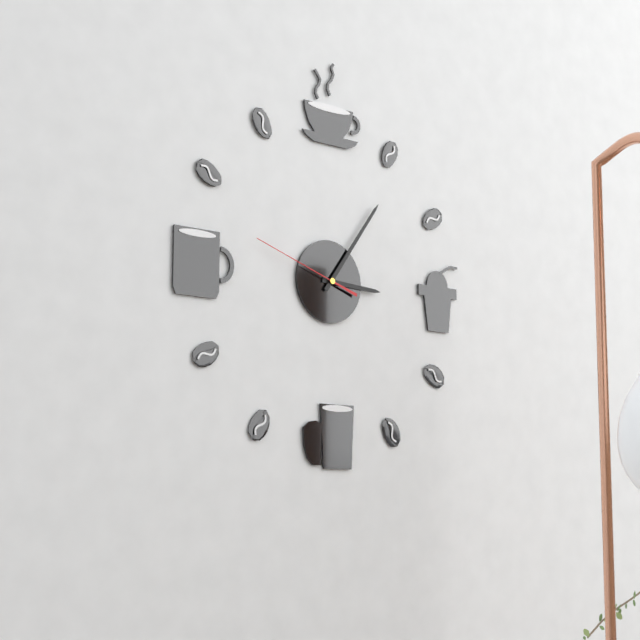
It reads **3:06:48**
